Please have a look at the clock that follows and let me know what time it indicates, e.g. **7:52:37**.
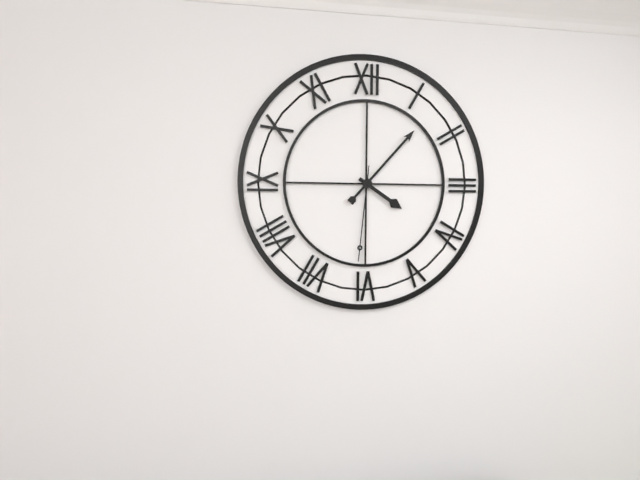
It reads **4:07:31**
